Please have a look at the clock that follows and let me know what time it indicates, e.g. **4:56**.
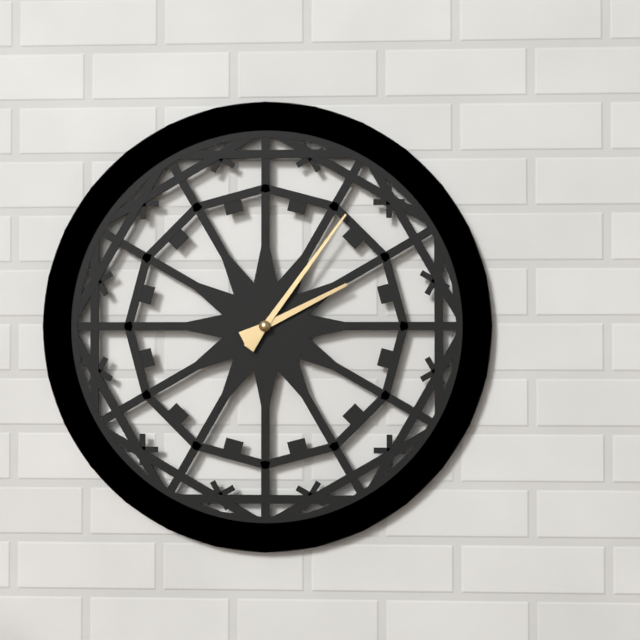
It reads **2:06**
